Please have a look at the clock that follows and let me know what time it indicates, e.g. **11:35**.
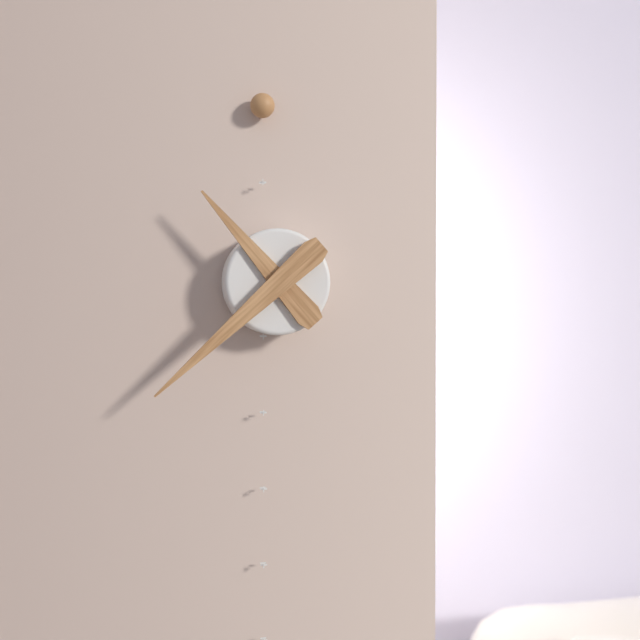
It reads **10:38**
